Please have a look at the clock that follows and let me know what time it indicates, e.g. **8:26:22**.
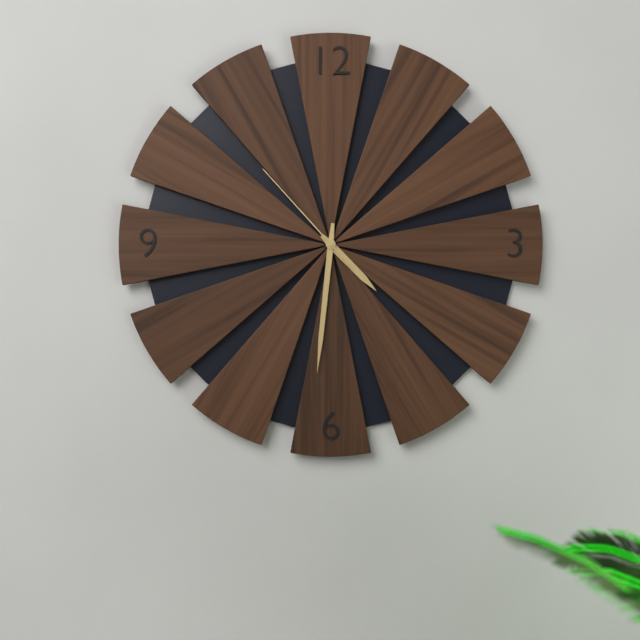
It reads **4:31:53**
